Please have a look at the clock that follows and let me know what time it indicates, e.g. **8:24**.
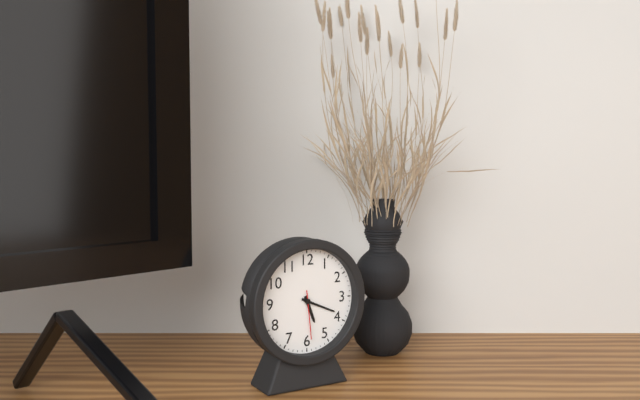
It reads **5:19**
